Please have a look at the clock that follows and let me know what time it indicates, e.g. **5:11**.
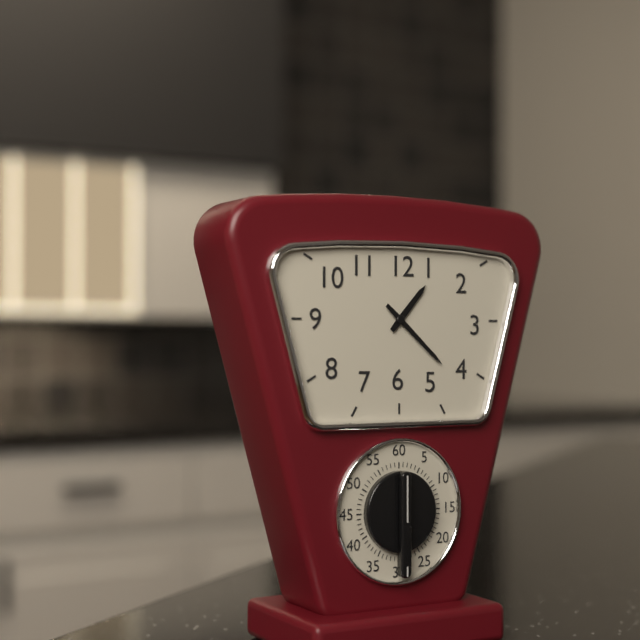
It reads **1:22**
